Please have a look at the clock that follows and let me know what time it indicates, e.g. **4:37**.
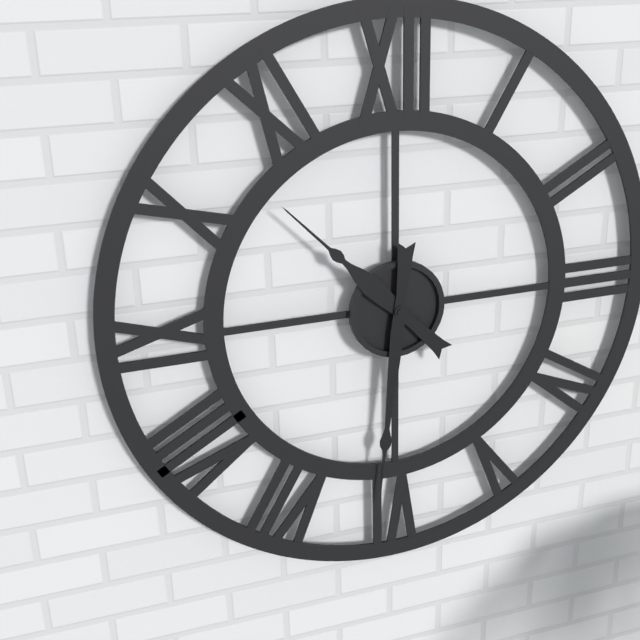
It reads **10:31**
